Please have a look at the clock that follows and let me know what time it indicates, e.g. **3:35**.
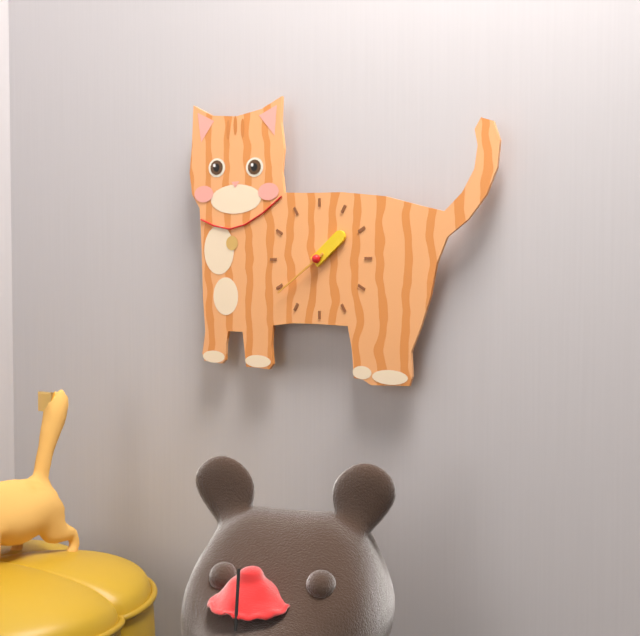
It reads **1:39**
